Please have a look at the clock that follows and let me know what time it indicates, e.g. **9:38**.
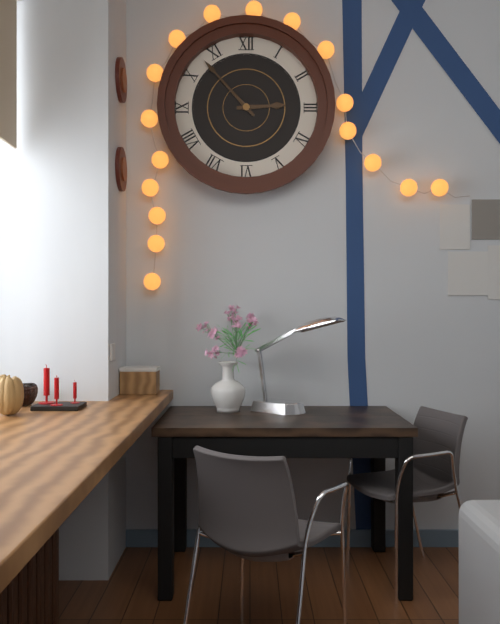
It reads **2:53**
